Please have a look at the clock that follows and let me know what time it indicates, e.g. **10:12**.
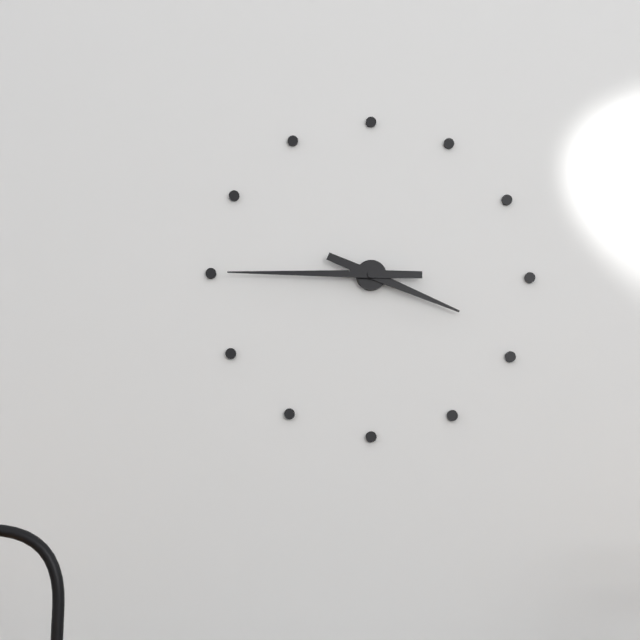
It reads **3:45**
